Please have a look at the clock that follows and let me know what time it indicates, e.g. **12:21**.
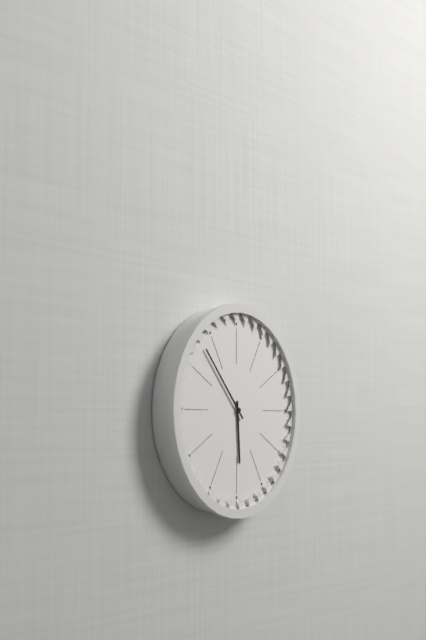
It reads **5:53**
